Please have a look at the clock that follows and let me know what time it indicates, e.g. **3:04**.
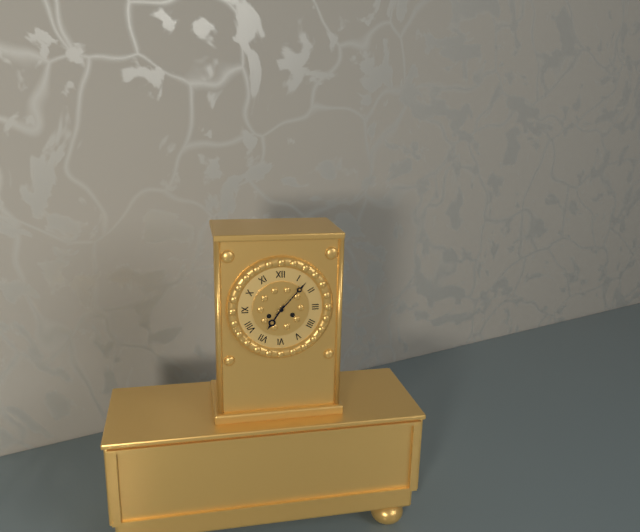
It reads **7:07**
